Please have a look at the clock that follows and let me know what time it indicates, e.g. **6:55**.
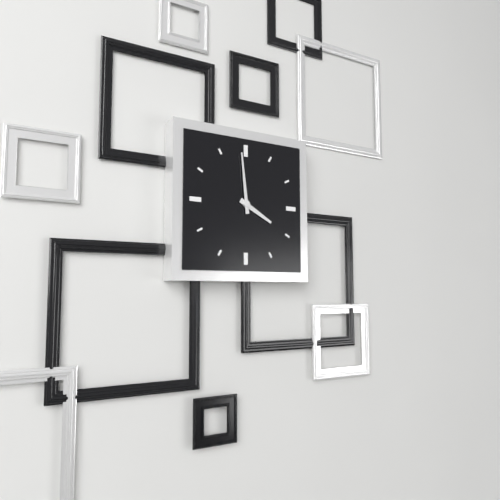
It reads **3:59**
